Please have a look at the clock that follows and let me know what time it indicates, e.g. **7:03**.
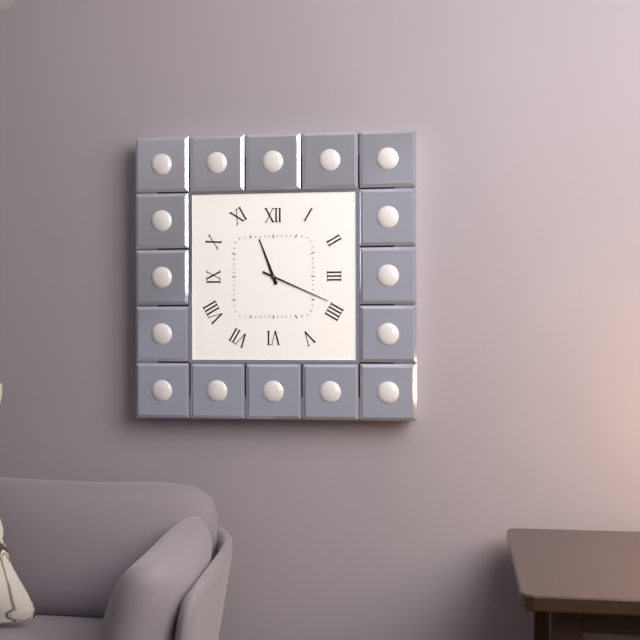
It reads **11:19**
